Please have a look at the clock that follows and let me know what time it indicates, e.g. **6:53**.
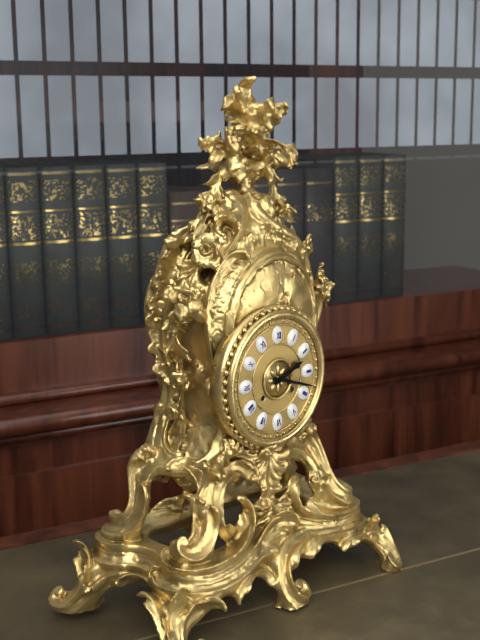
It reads **2:18**
